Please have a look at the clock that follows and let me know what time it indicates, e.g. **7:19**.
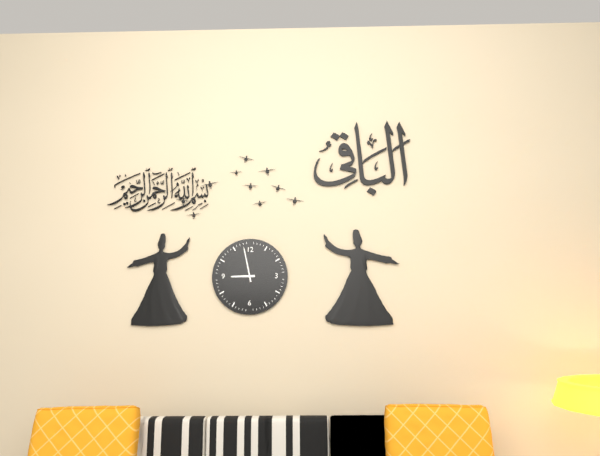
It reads **8:58**
